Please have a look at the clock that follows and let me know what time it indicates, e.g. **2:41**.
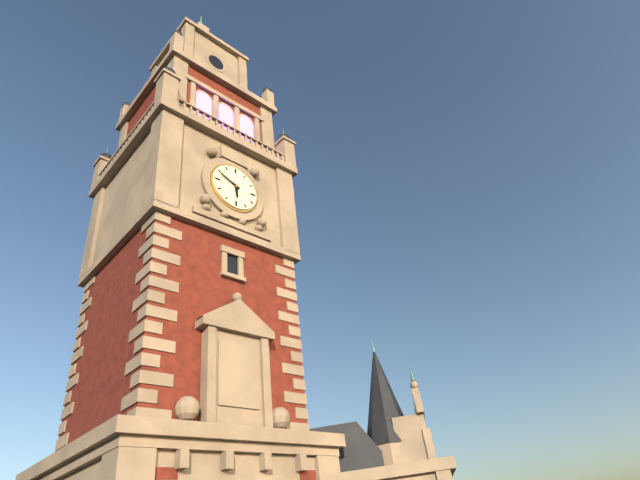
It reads **5:49**
